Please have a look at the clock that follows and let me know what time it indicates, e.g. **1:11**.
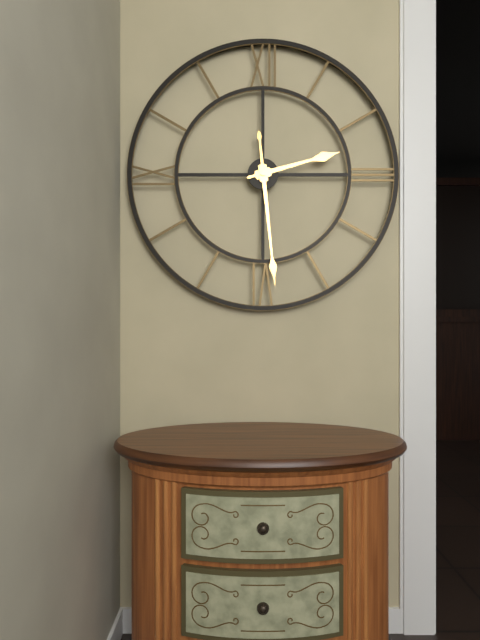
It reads **2:29**
